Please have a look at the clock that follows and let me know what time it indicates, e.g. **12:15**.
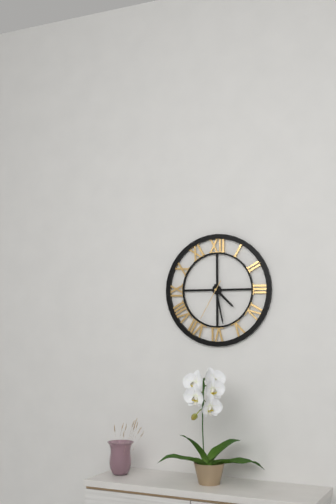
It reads **4:28**
